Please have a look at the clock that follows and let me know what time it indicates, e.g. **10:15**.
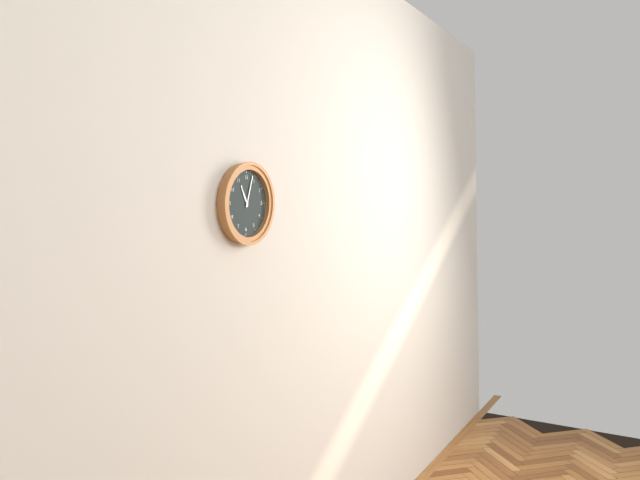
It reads **11:03**
